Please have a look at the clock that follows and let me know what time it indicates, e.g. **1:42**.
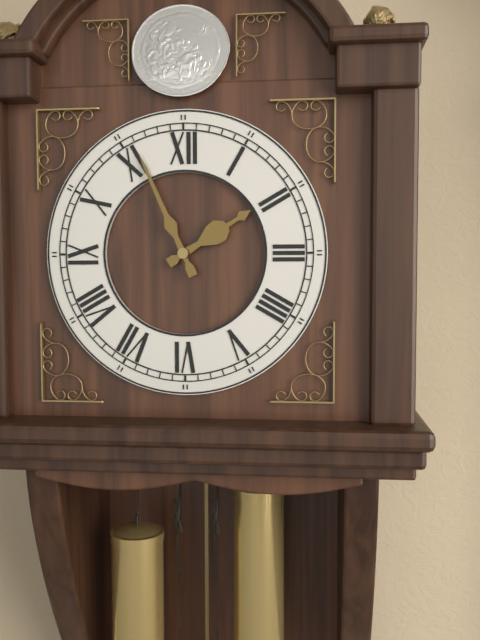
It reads **1:56**
